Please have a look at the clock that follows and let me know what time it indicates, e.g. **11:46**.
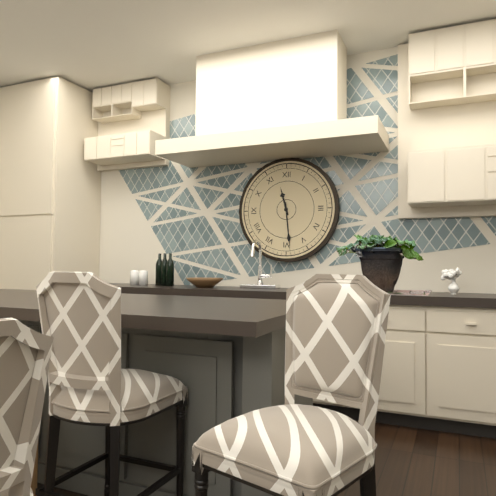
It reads **11:29**
